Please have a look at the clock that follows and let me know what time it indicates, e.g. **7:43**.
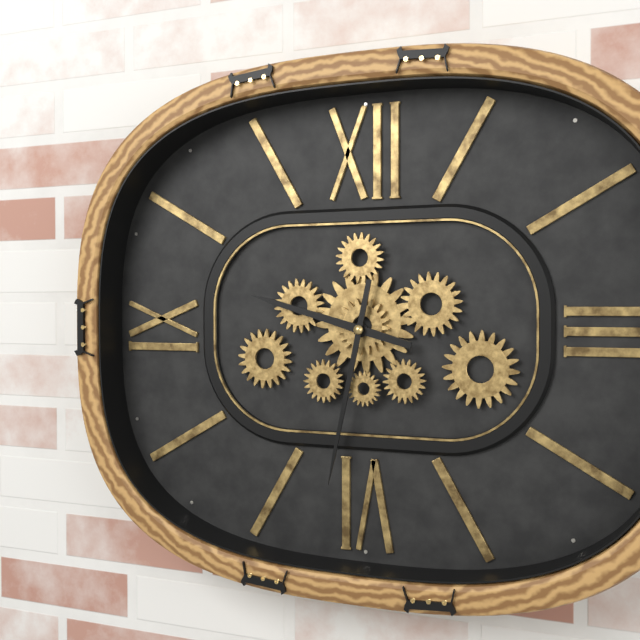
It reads **9:32**
